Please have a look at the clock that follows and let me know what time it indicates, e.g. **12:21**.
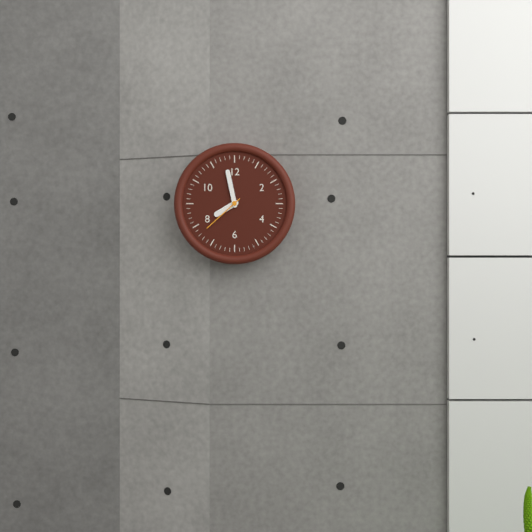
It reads **7:58**
